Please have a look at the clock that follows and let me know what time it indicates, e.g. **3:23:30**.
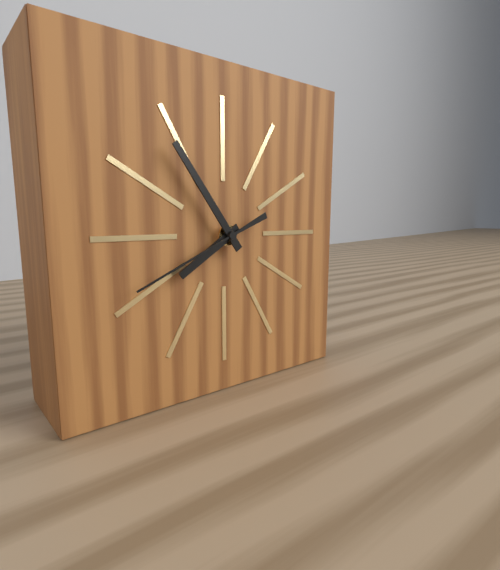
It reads **7:54:41**
